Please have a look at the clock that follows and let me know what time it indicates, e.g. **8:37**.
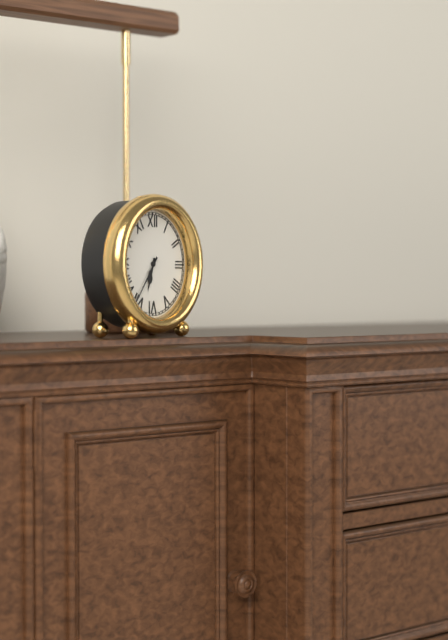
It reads **6:36**
